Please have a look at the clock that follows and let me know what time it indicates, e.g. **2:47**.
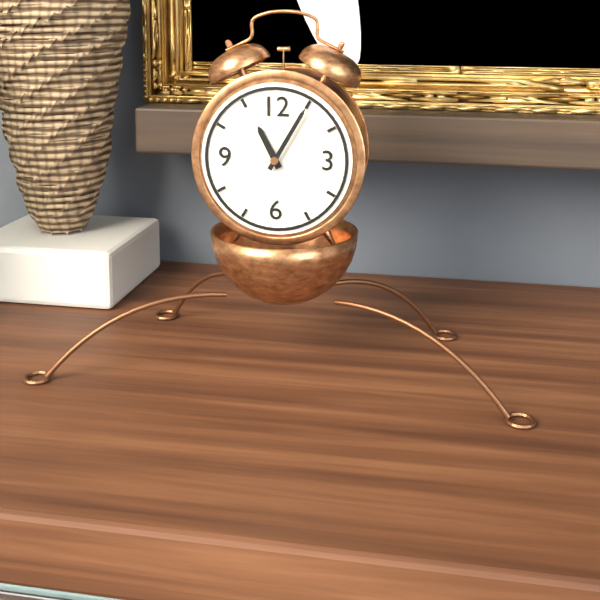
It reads **11:05**
